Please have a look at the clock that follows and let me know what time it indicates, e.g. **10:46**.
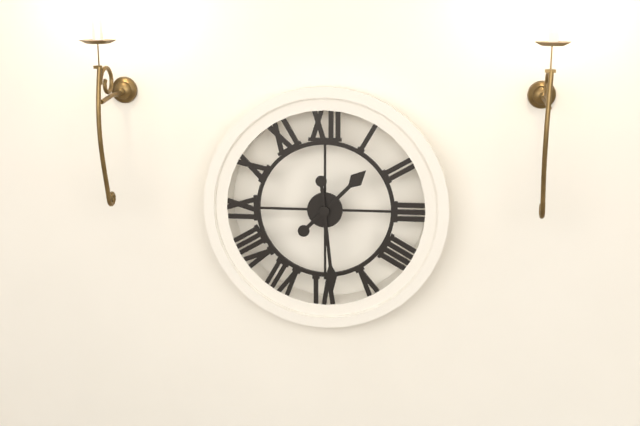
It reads **1:29**
